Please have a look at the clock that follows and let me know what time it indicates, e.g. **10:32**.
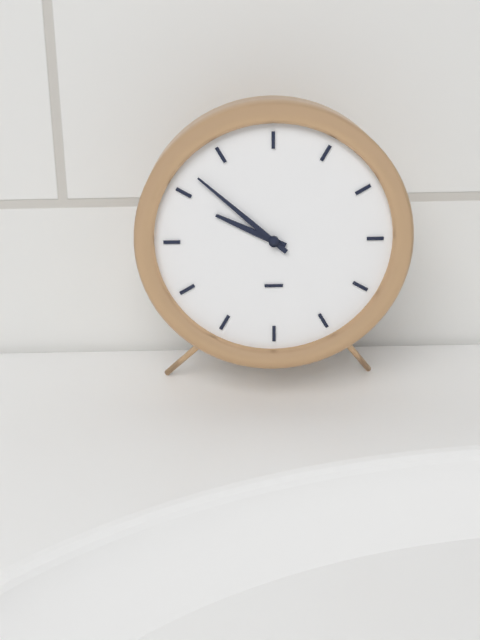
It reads **9:52**
